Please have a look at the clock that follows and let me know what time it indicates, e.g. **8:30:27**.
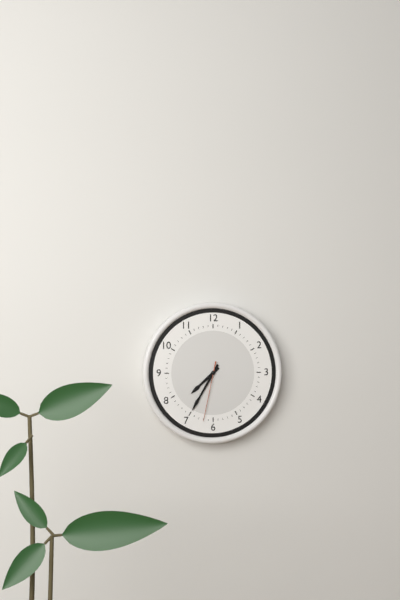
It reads **7:35:32**
